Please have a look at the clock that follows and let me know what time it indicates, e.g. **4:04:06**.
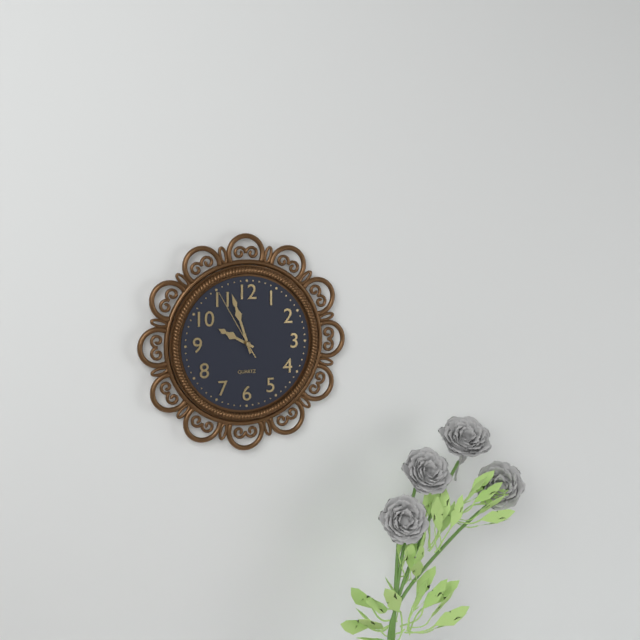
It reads **9:57:55**
